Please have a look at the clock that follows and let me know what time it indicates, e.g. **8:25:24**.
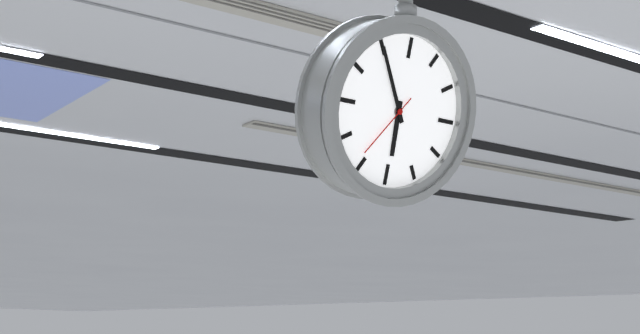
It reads **5:55:36**
